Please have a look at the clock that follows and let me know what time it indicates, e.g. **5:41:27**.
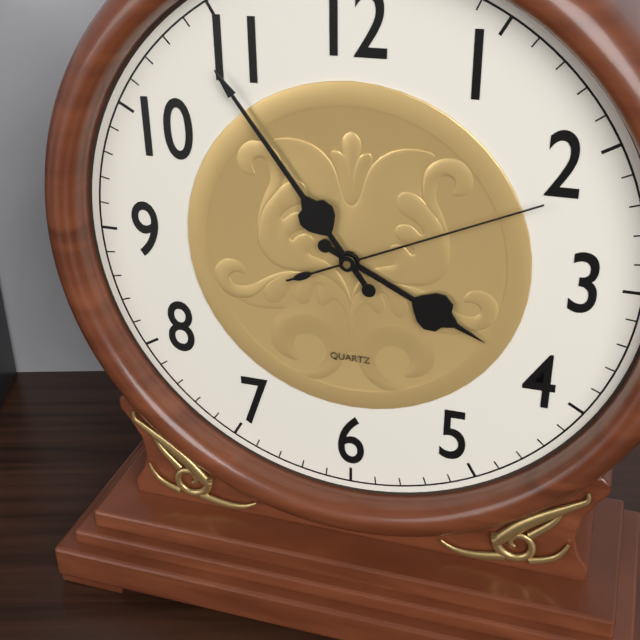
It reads **3:54:11**
